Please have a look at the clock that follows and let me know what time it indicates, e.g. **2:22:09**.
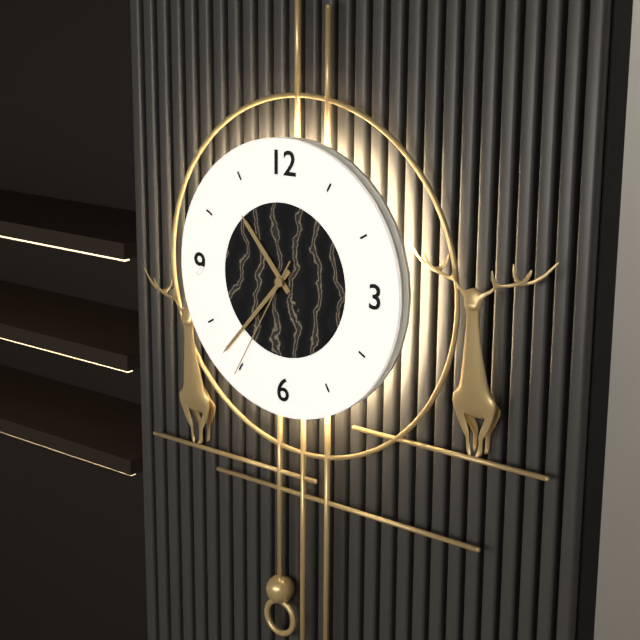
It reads **10:37:35**
